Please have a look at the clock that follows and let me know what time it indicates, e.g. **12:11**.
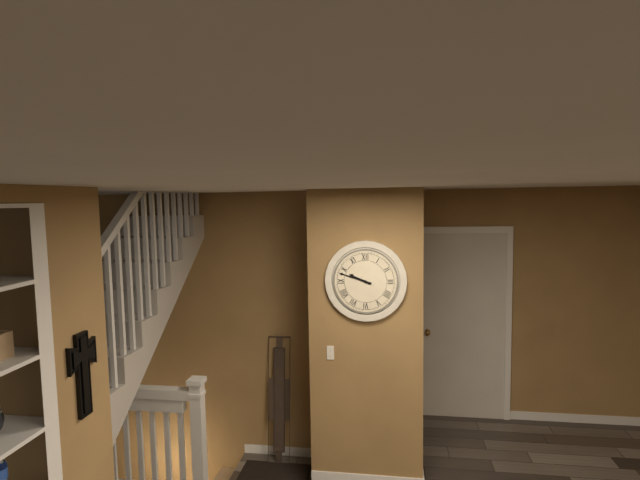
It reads **9:48**
